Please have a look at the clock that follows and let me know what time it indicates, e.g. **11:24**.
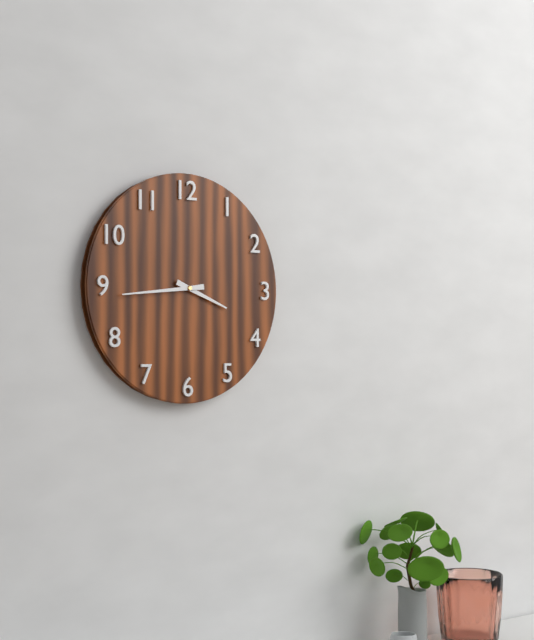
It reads **3:44**
